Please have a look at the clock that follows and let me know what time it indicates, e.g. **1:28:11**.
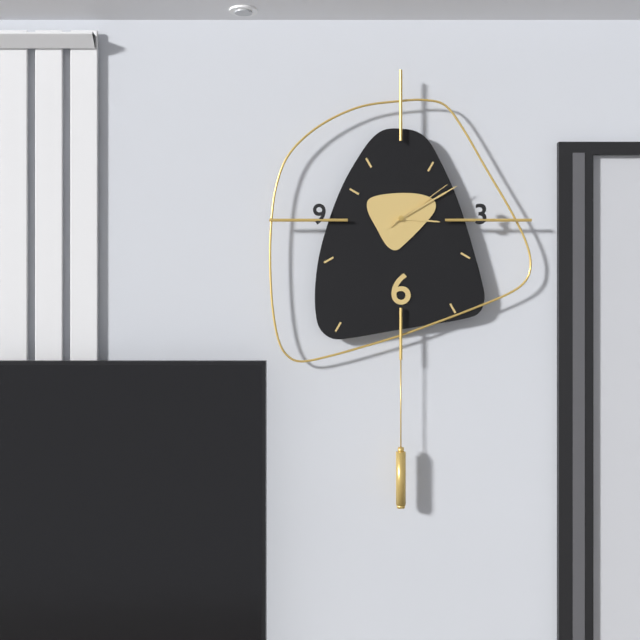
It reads **3:10:09**
